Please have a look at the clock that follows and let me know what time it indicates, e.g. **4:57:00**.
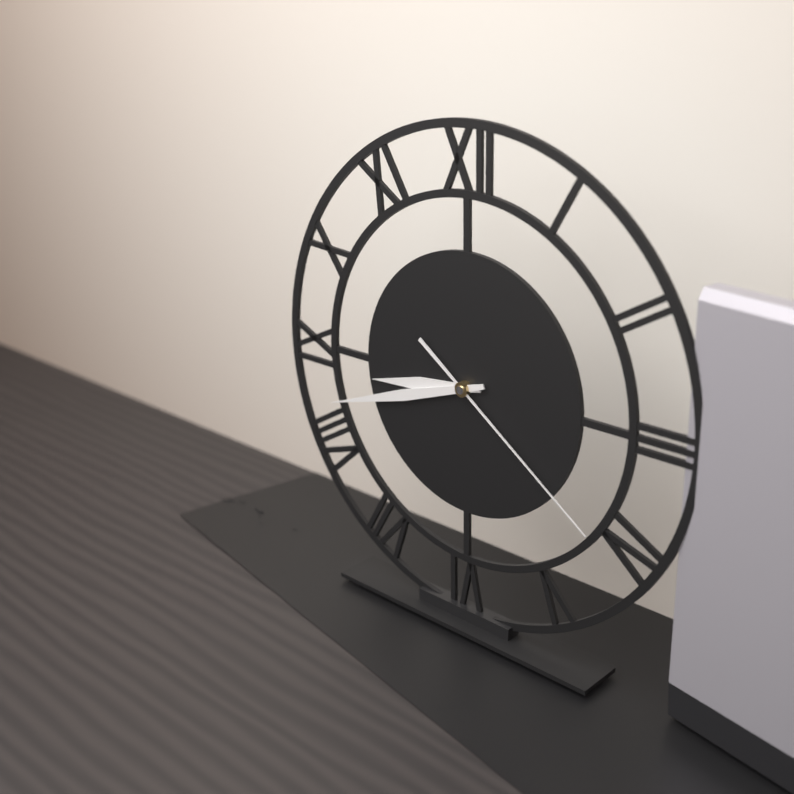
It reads **8:42:21**
